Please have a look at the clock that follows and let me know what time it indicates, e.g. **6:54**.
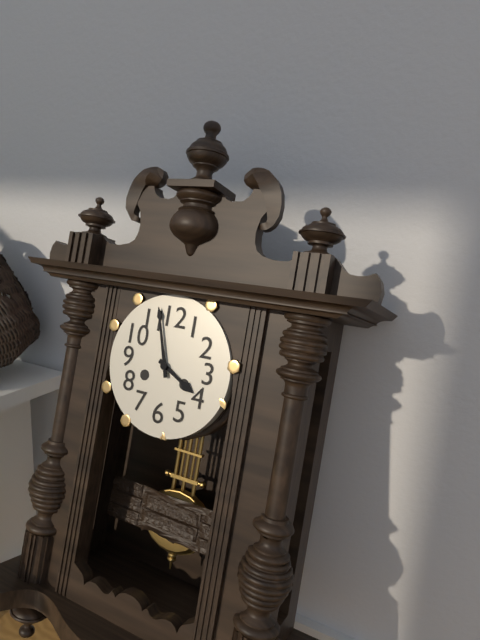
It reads **3:57**
